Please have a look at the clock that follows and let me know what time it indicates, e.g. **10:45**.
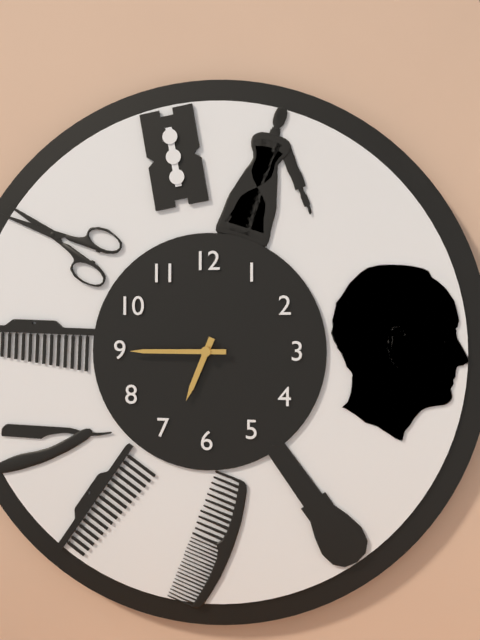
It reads **6:45**
